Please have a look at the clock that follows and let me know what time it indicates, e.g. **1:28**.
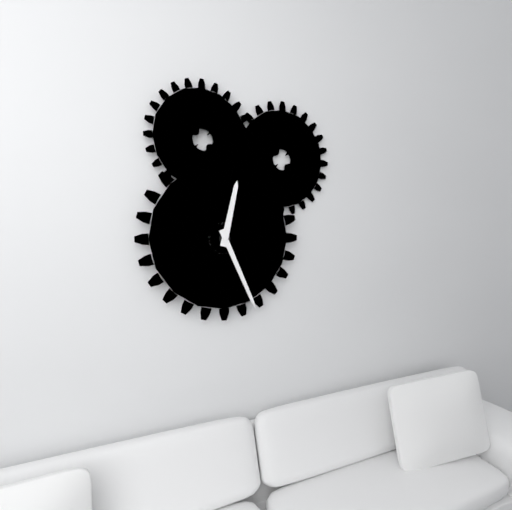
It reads **12:26**
